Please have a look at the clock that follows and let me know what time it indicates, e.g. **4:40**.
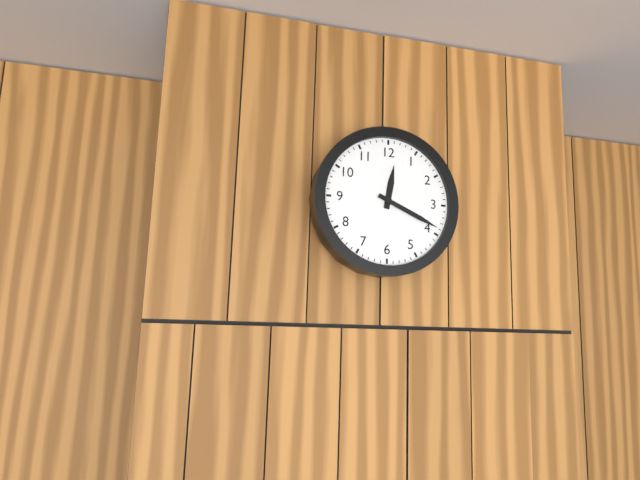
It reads **12:19**
